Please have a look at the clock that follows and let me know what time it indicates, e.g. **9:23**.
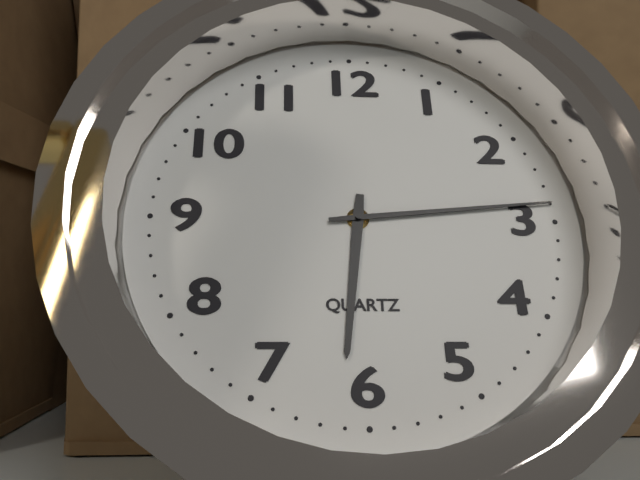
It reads **6:14**
